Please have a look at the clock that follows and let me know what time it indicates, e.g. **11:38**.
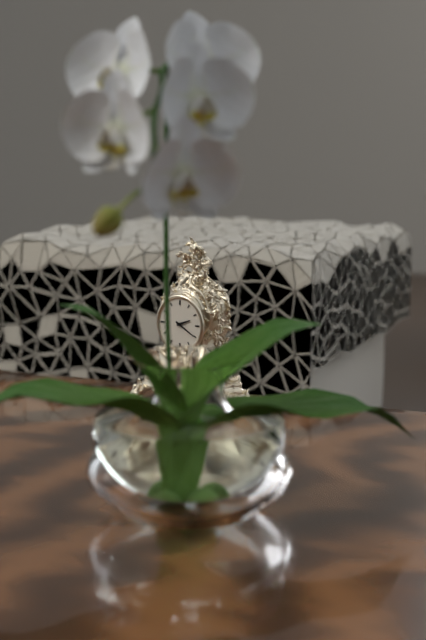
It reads **2:20**
